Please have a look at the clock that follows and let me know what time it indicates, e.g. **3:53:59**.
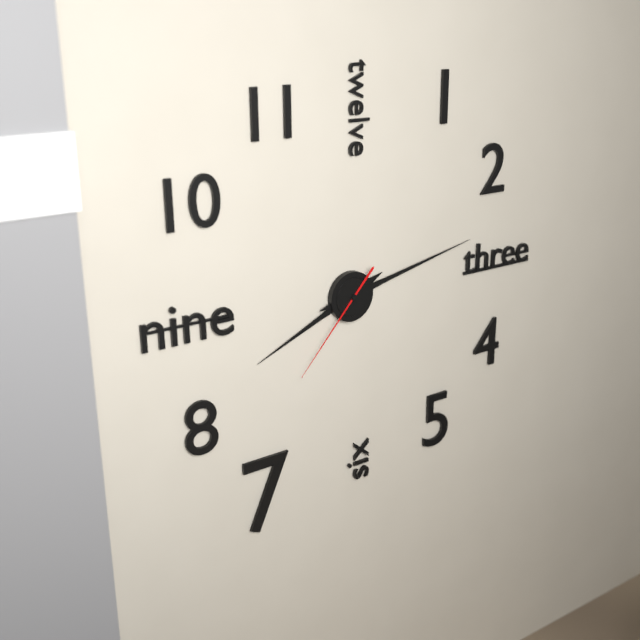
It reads **8:13:37**
